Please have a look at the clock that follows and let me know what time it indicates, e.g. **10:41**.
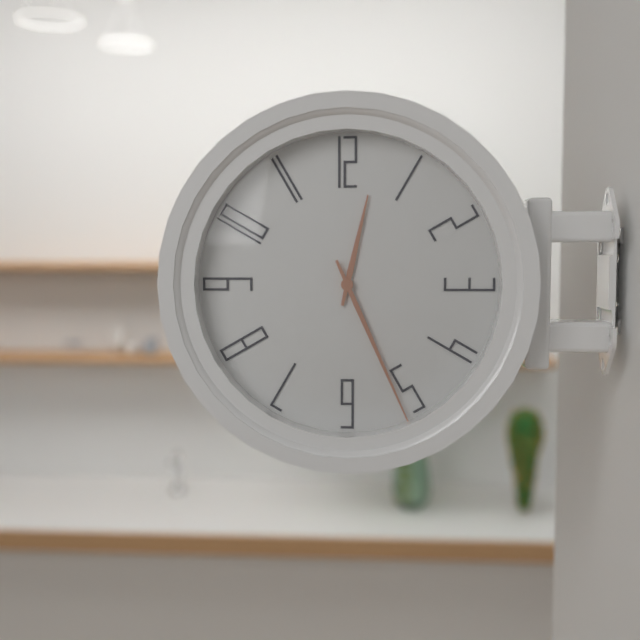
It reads **12:26**
